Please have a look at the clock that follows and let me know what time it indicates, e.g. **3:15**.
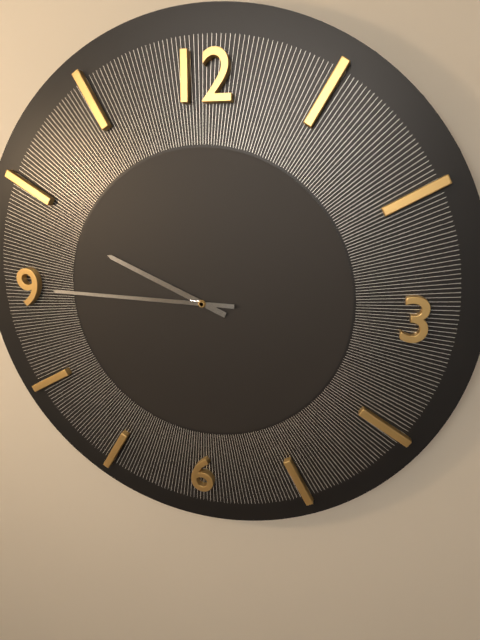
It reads **9:45**
